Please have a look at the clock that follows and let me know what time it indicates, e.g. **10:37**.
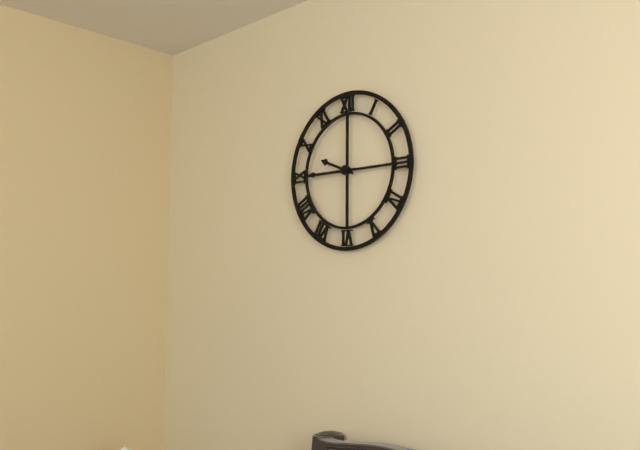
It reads **9:45**
